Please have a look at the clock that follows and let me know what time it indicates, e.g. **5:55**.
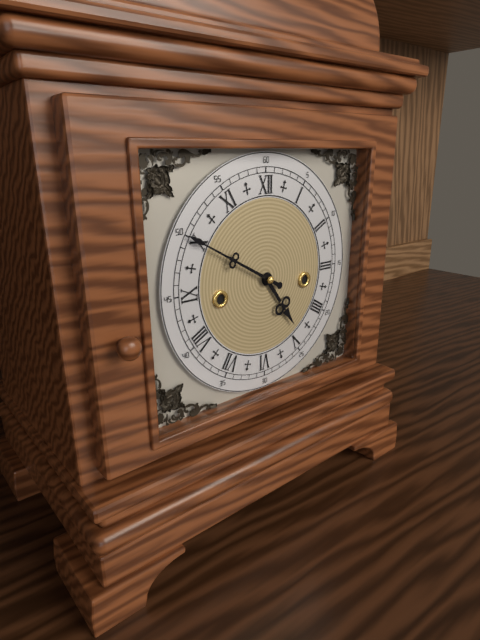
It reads **4:50**
